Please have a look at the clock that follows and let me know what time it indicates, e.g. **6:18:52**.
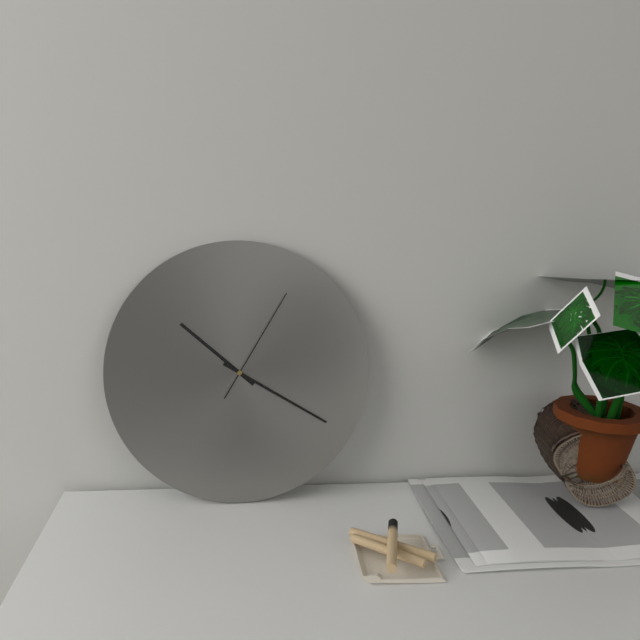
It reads **10:20:05**
